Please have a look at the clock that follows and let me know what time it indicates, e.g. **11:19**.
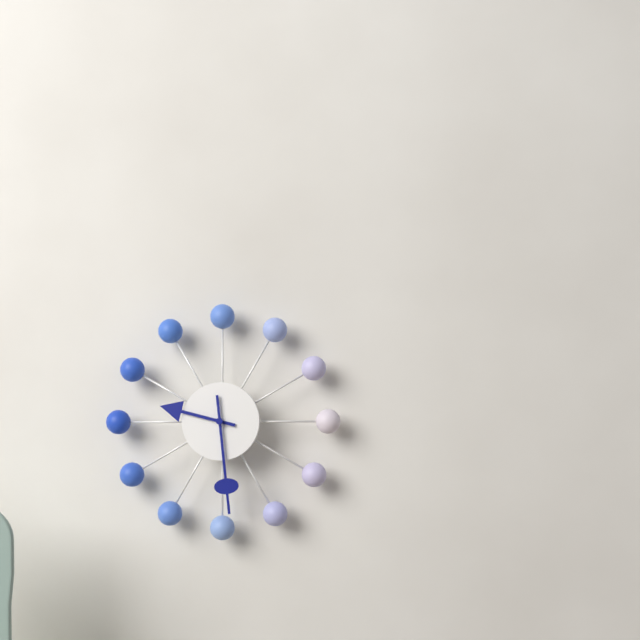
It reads **9:29**
